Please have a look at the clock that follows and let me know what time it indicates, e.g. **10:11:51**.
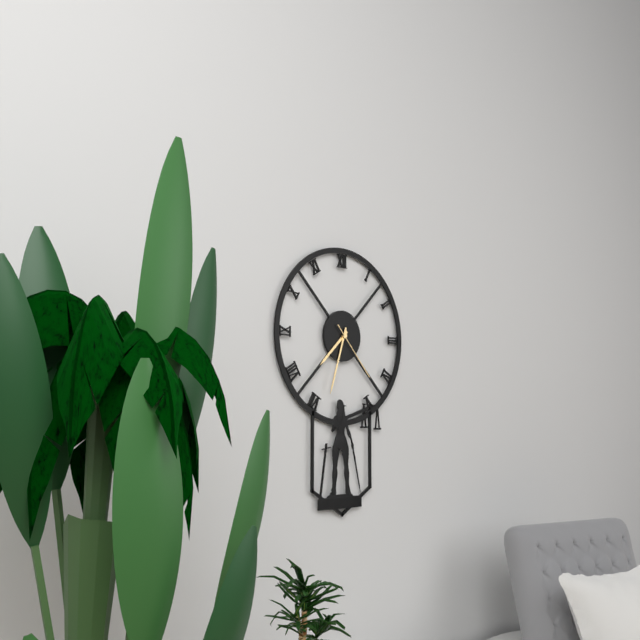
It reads **7:33:23**
